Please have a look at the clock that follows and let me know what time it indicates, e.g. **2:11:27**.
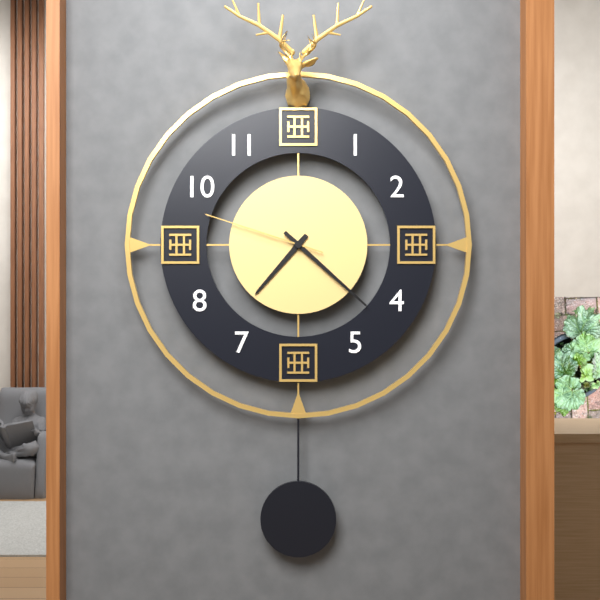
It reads **7:22:48**
